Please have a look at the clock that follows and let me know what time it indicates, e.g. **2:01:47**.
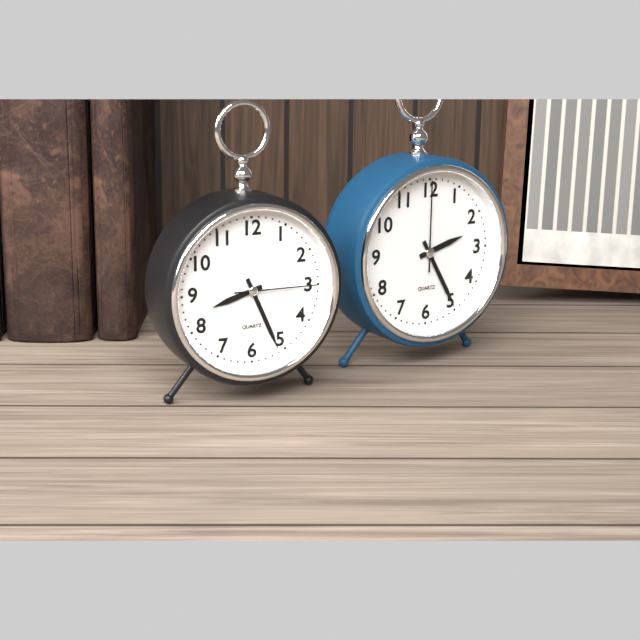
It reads **8:26:15**
